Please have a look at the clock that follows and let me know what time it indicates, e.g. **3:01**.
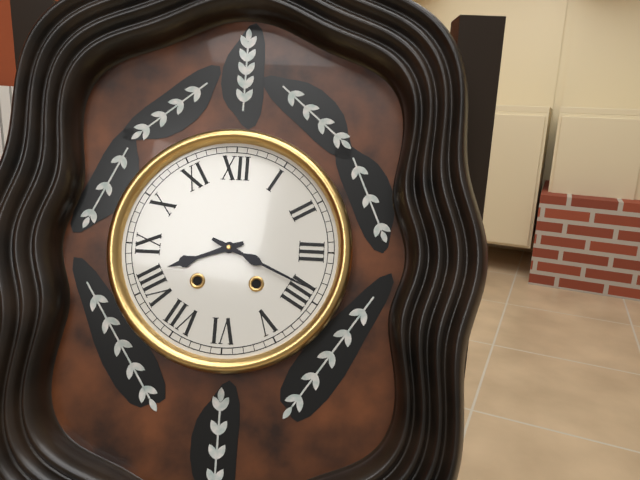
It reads **8:19**
